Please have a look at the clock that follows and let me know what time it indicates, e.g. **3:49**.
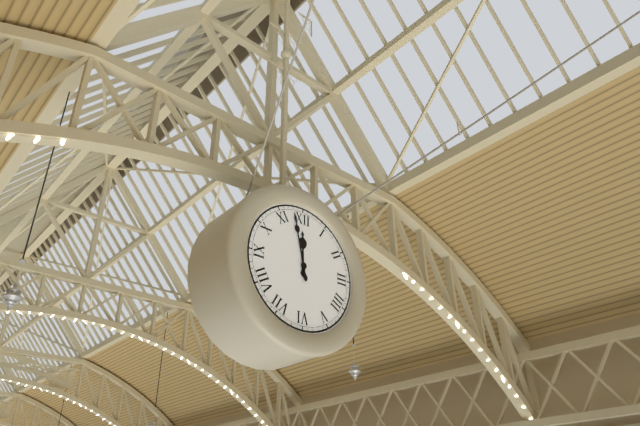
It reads **11:58**
